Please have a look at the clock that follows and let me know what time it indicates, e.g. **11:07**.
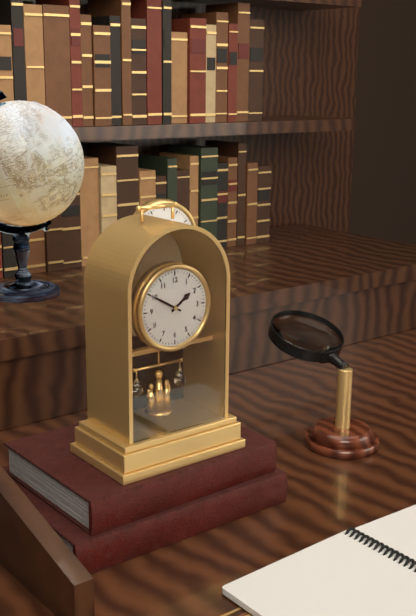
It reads **1:50**
